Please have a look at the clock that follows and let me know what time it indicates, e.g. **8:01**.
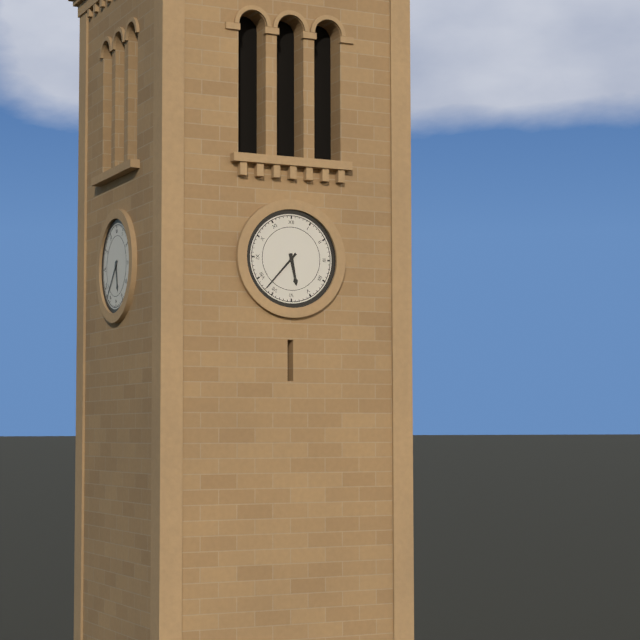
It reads **5:37**
